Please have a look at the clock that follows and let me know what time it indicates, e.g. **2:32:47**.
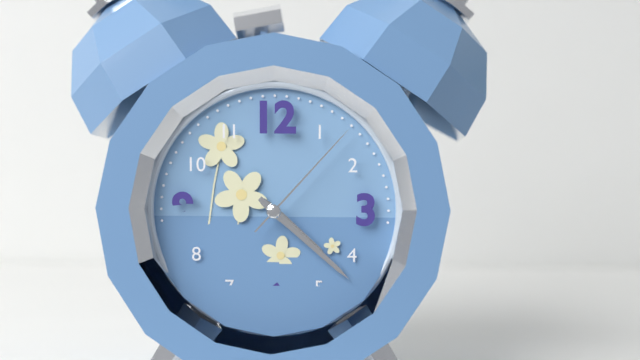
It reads **4:22:07**
